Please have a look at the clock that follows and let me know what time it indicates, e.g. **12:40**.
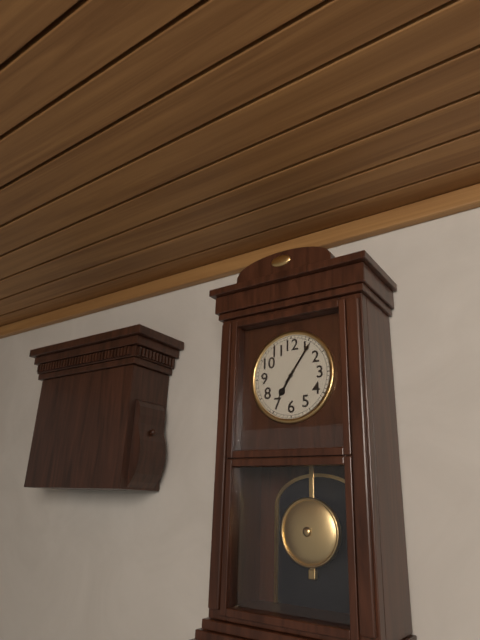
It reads **7:06**
